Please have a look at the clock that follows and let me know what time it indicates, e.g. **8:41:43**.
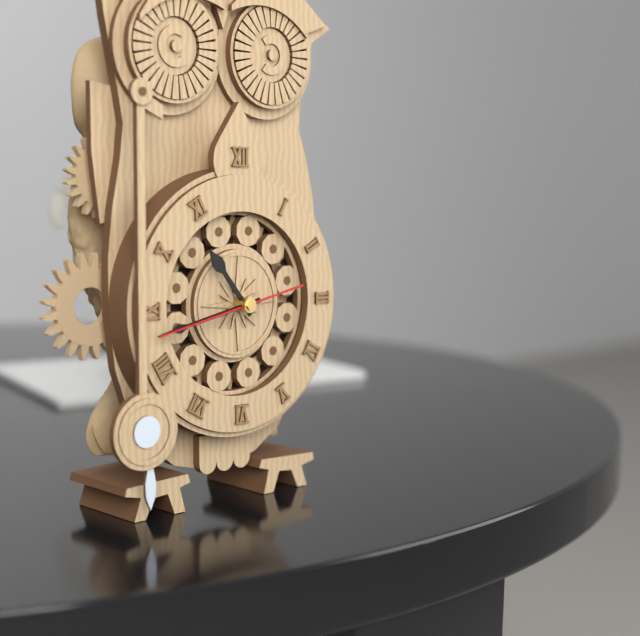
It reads **10:43:43**
